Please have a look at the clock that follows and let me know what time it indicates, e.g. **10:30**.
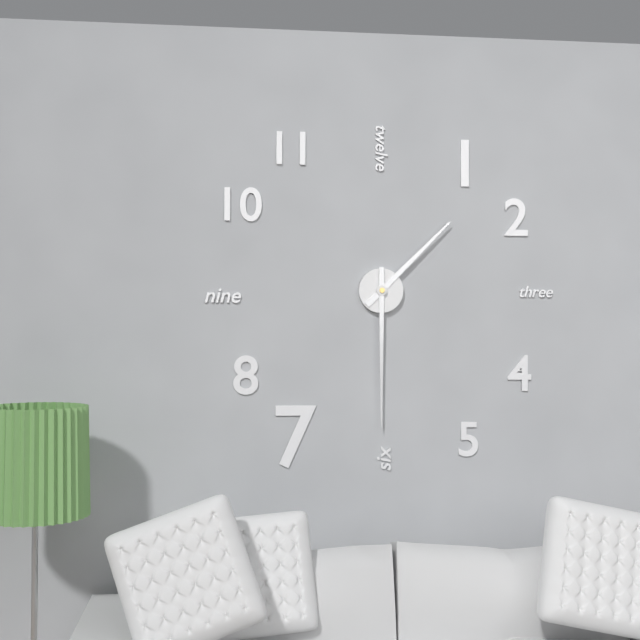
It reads **1:30**
